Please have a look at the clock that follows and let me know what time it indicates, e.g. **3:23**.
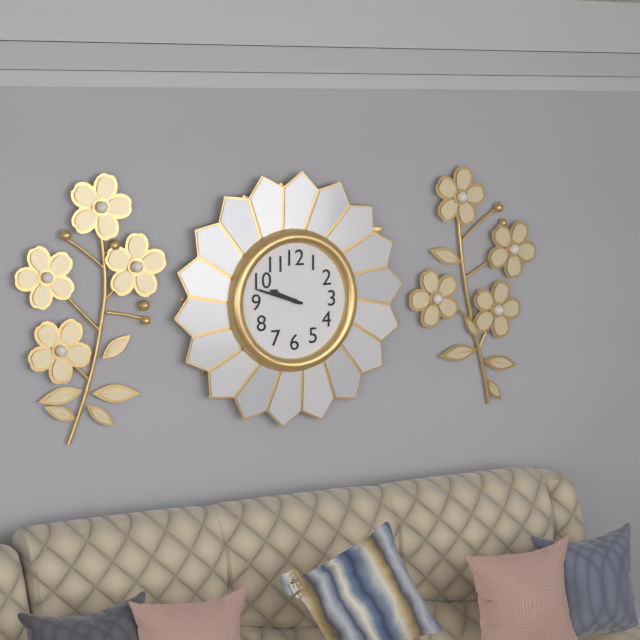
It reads **9:48**
